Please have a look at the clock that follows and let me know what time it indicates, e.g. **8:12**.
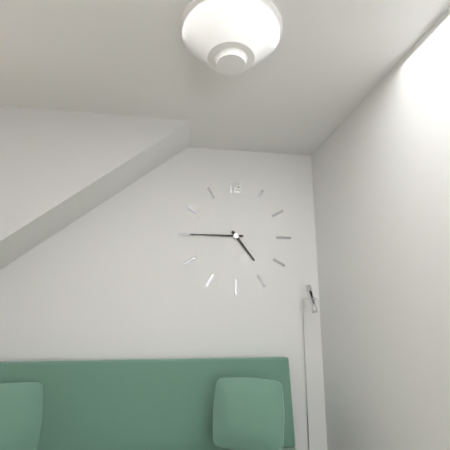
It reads **4:45**
